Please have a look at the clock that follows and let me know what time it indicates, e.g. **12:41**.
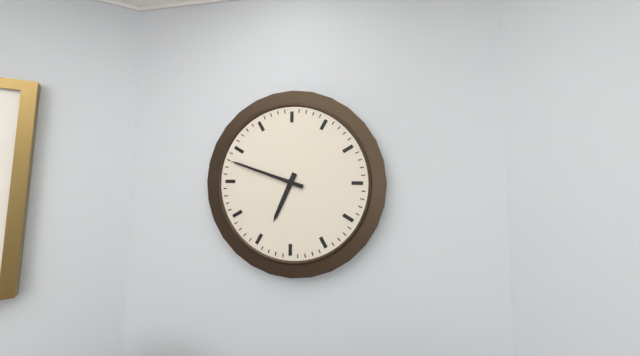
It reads **6:48**
